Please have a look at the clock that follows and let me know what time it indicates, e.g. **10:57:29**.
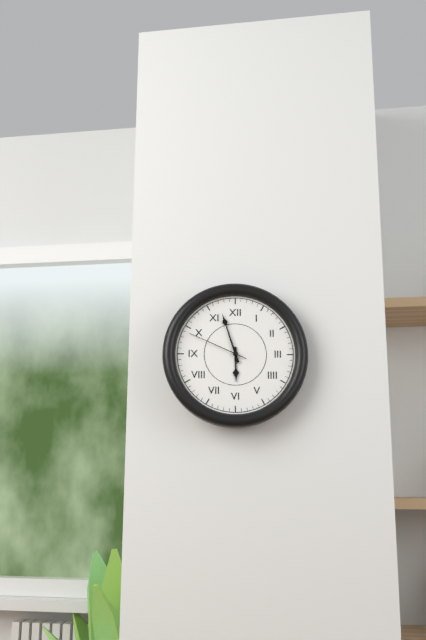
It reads **5:57:49**
